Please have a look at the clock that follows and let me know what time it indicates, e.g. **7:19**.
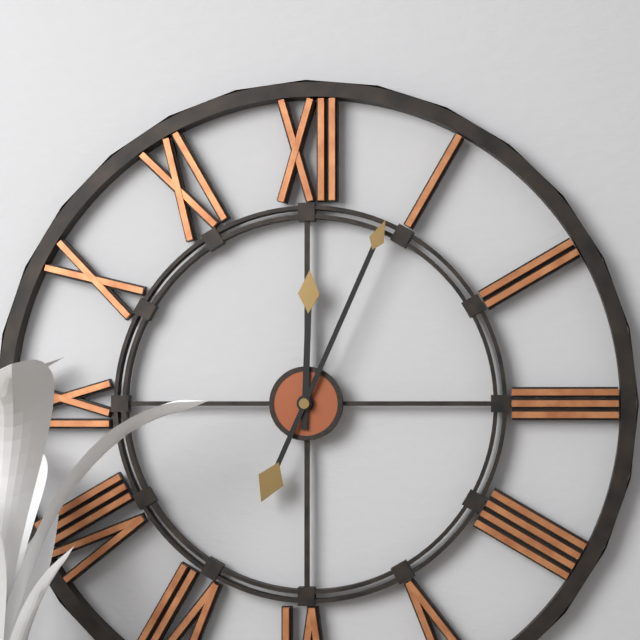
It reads **12:04**
